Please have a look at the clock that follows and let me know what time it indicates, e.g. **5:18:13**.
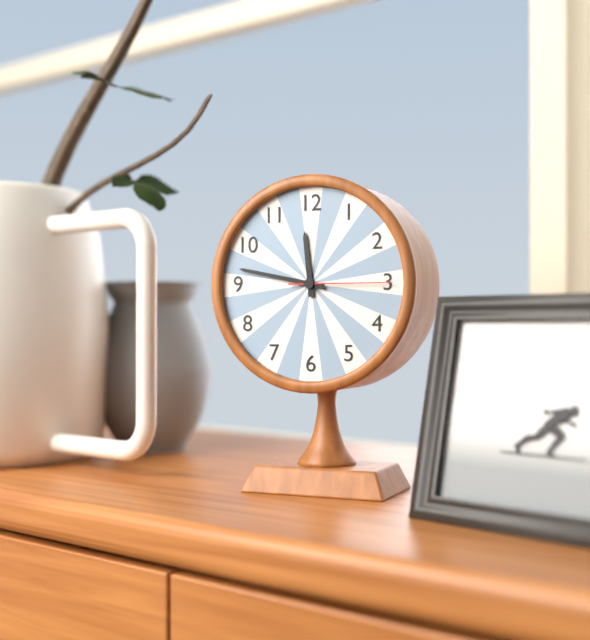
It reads **11:47:15**
